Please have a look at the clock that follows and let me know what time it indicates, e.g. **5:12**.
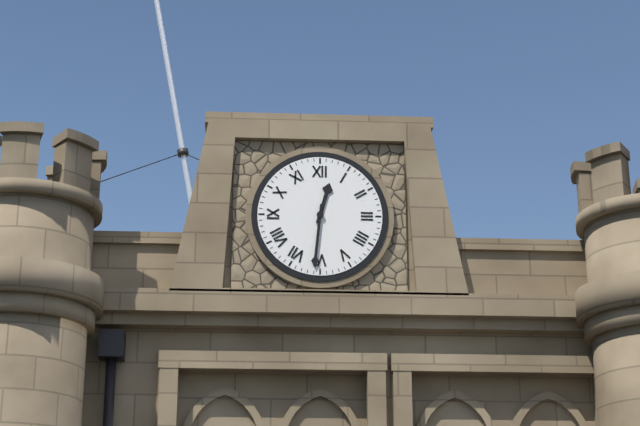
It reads **12:31**
